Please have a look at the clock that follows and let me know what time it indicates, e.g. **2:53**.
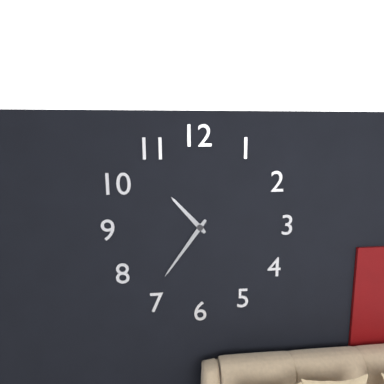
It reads **10:36**
